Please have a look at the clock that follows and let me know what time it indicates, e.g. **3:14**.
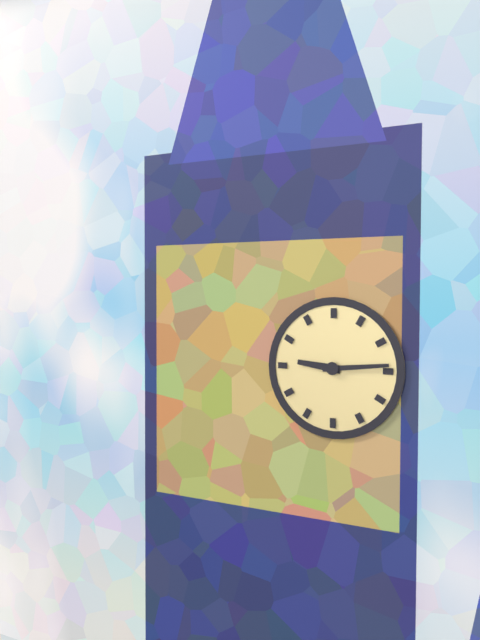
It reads **9:14**
